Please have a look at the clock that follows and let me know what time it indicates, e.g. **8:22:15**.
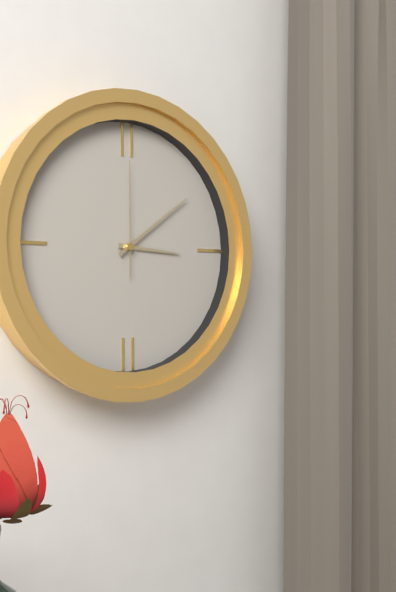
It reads **3:09:00**
